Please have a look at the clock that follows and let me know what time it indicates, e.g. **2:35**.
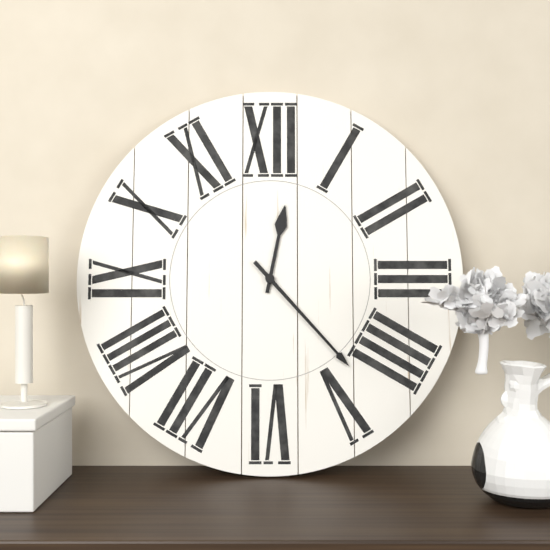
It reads **12:23**
